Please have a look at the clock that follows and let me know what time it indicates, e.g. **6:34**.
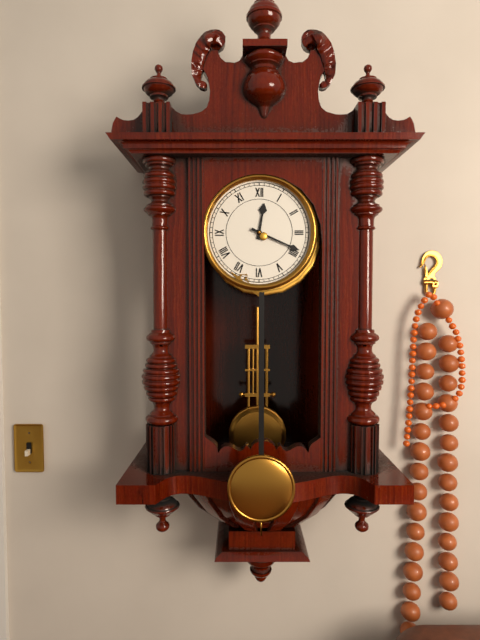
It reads **12:19**
